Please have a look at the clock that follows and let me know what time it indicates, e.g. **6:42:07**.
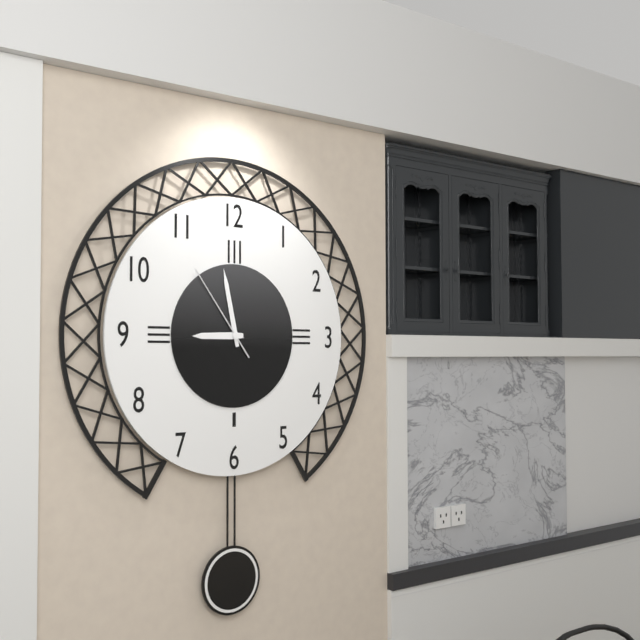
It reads **8:58:54**
